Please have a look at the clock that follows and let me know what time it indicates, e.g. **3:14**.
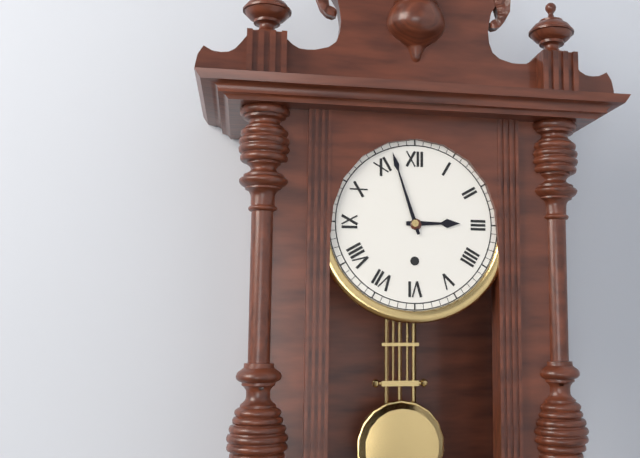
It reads **2:57**
